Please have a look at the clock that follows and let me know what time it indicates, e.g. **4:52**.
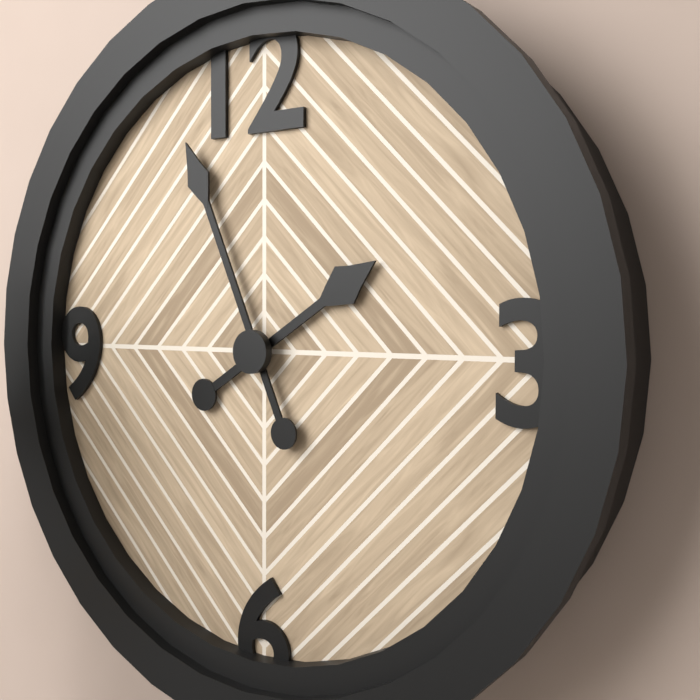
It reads **1:56**
